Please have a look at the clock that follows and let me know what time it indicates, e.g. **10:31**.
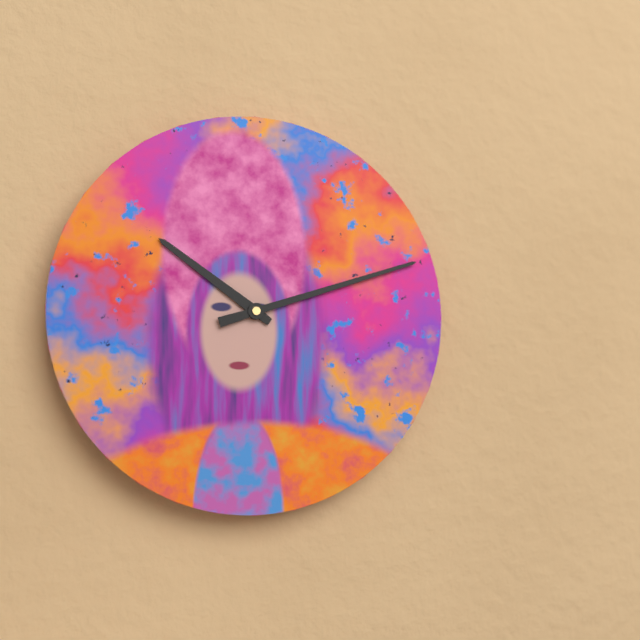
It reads **10:12**
